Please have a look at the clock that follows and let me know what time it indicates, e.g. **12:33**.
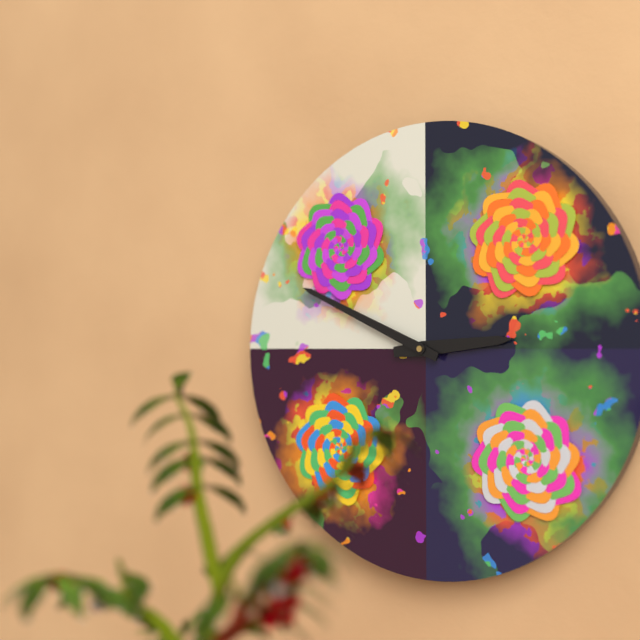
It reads **2:49**
